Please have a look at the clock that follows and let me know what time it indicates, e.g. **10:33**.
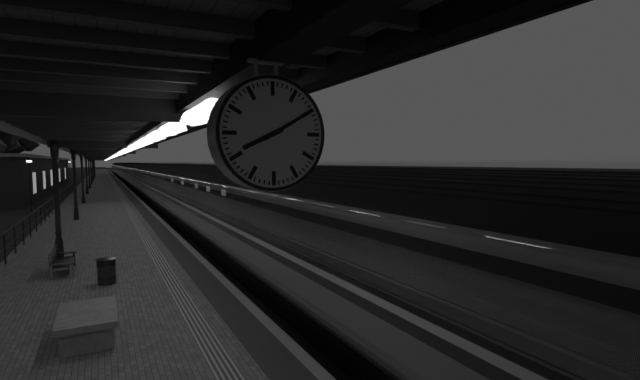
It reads **8:10**
